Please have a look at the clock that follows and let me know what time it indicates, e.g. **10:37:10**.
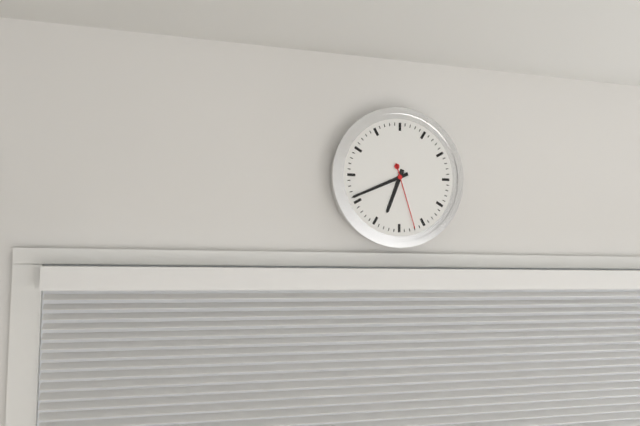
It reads **6:41:27**
